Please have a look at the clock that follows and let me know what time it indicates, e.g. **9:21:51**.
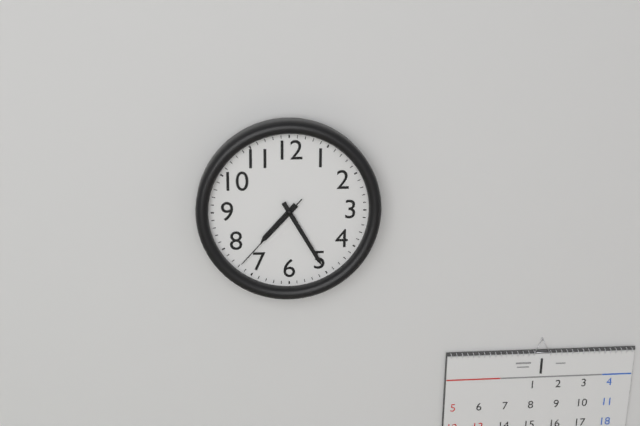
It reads **7:25:37**
